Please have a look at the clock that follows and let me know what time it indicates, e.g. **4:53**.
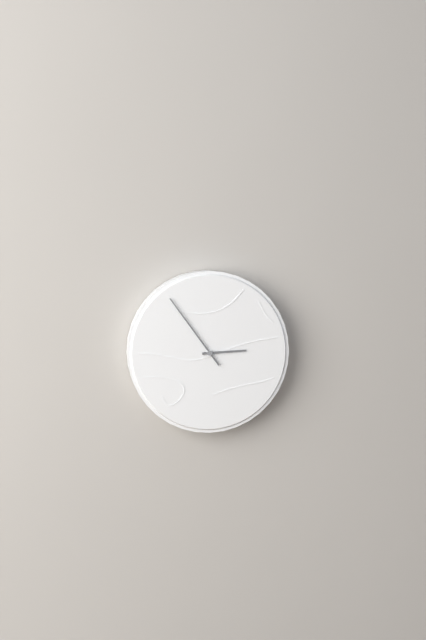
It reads **2:54**
